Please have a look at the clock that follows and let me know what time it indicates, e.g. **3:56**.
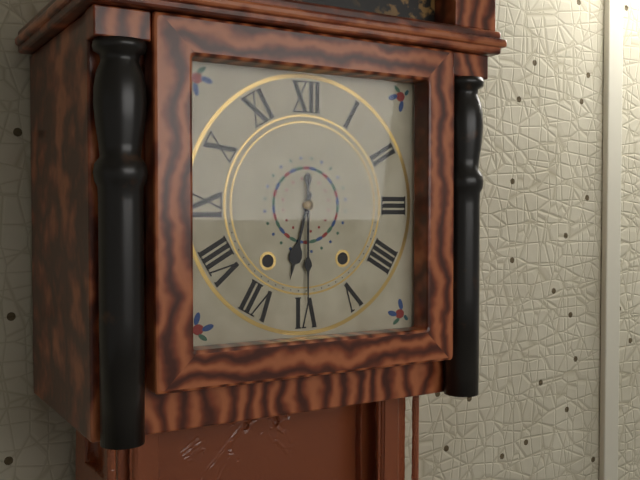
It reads **6:30**
